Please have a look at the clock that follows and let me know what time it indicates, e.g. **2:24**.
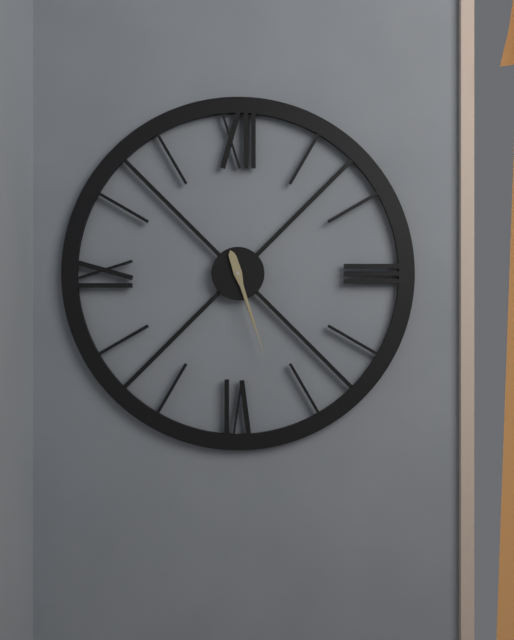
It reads **5:27**
